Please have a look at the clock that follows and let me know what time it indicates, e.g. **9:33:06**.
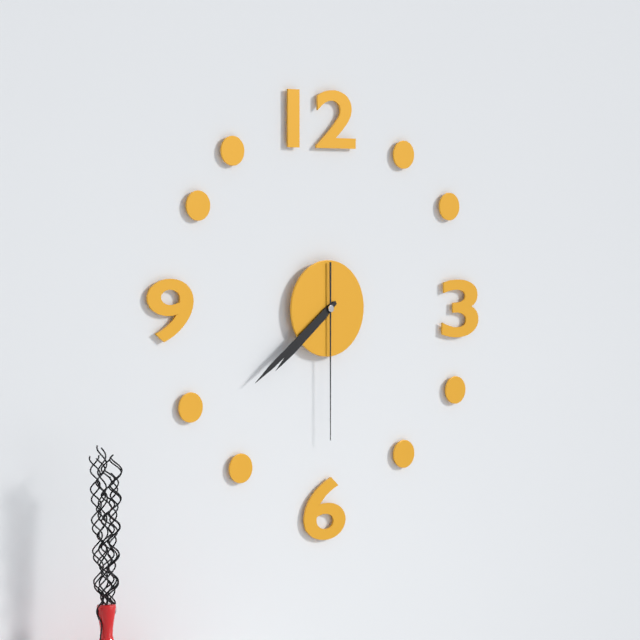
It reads **7:39:30**
